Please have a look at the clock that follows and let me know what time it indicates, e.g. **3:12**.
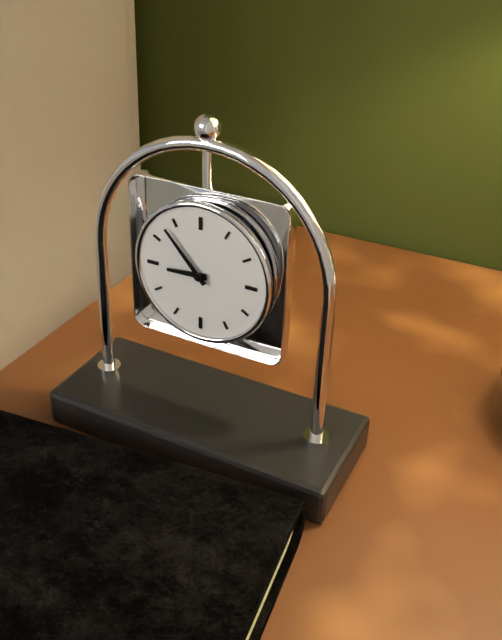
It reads **8:53**
